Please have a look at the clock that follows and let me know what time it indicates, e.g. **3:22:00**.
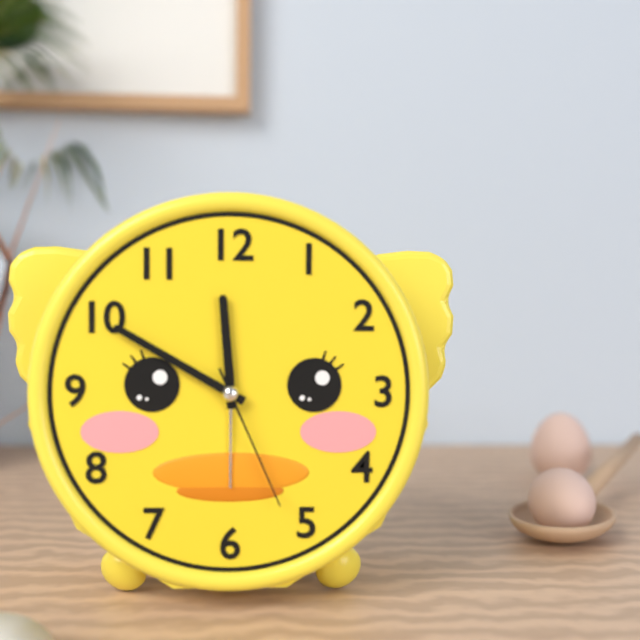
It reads **11:50:26**
